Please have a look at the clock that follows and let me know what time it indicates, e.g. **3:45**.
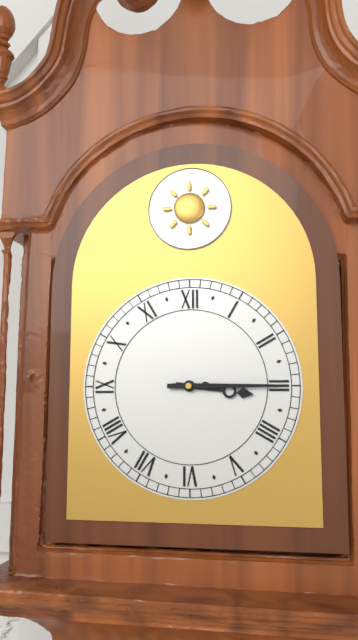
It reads **3:15**
